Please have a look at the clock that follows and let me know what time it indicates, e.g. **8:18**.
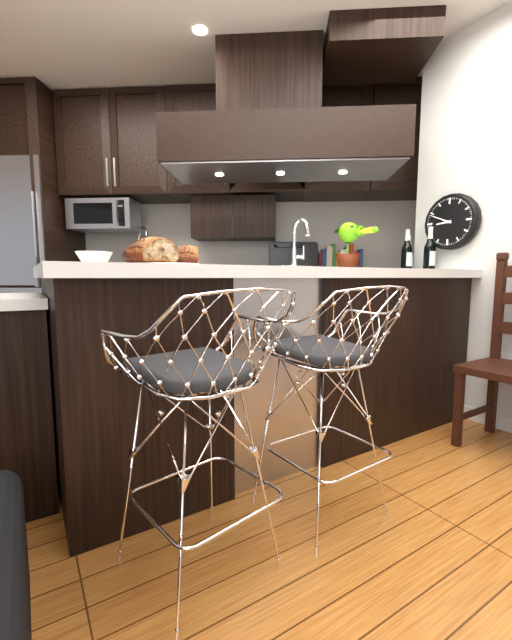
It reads **8:49**
